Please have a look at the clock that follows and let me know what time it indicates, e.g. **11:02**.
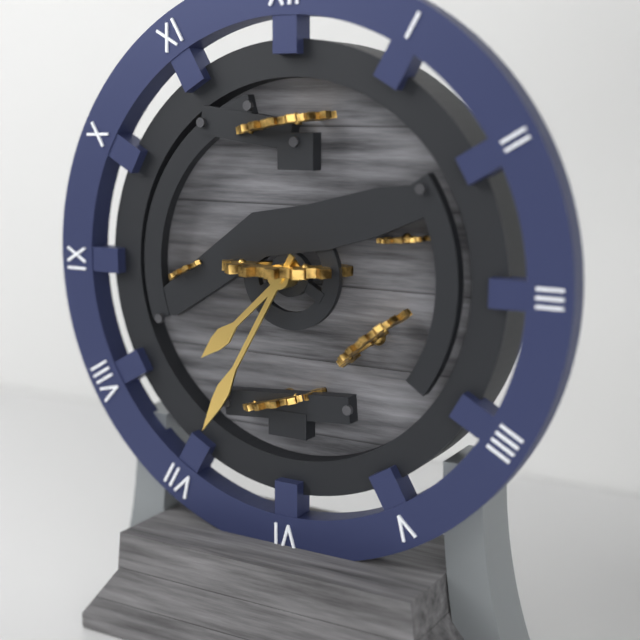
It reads **7:35**
